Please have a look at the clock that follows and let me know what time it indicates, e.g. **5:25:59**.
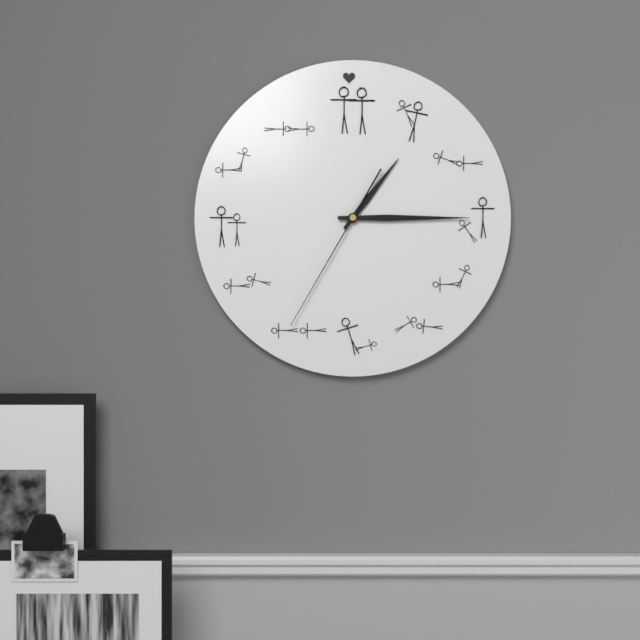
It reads **1:15:35**
